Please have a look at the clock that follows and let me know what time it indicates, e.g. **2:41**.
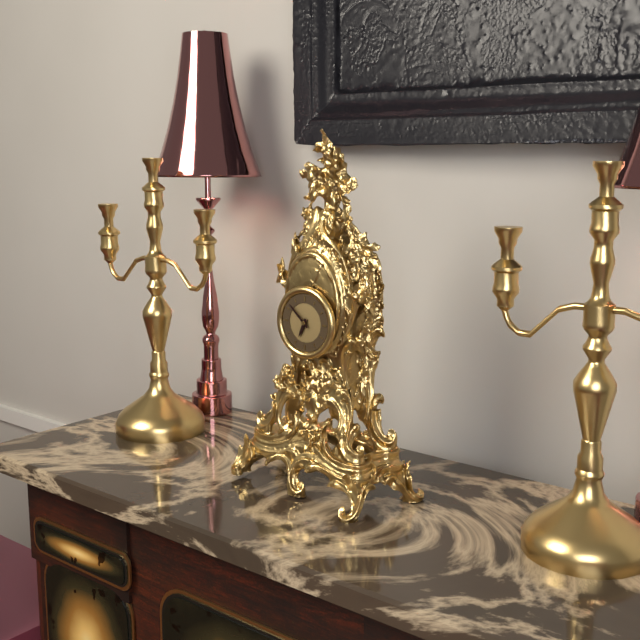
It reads **6:52**
